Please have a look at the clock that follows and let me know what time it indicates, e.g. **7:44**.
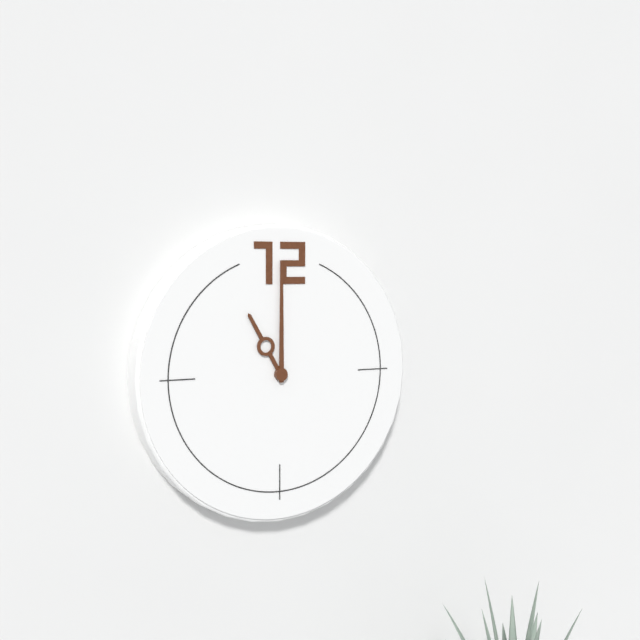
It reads **11:00**
